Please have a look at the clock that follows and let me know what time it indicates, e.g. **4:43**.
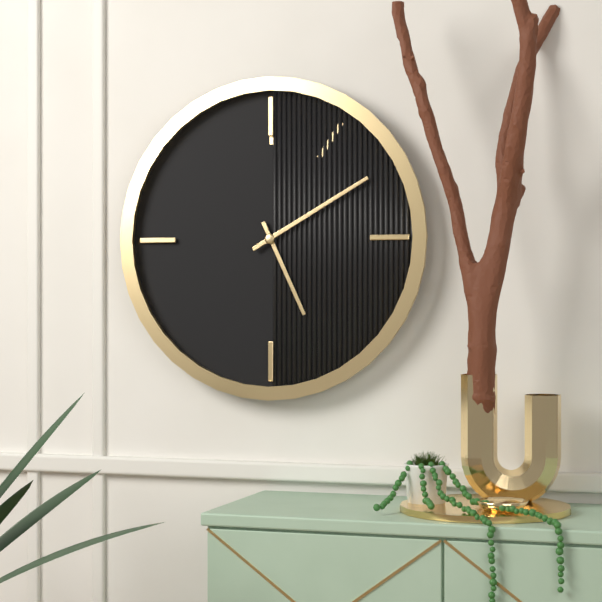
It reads **5:10**
